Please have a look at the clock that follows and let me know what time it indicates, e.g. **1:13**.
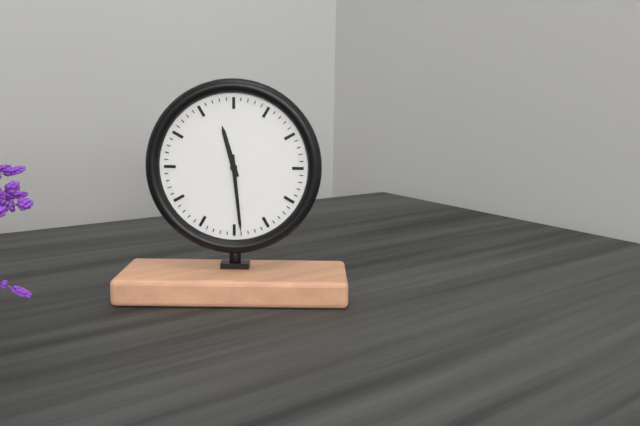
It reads **11:29**
